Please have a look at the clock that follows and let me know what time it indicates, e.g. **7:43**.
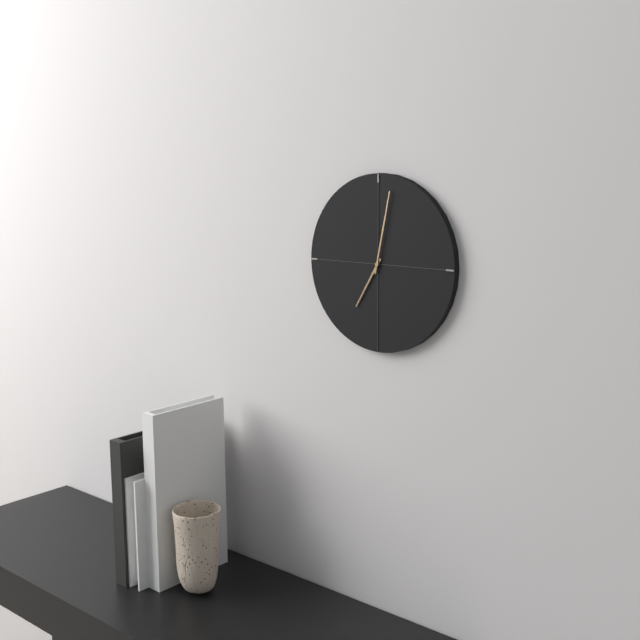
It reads **7:02**
